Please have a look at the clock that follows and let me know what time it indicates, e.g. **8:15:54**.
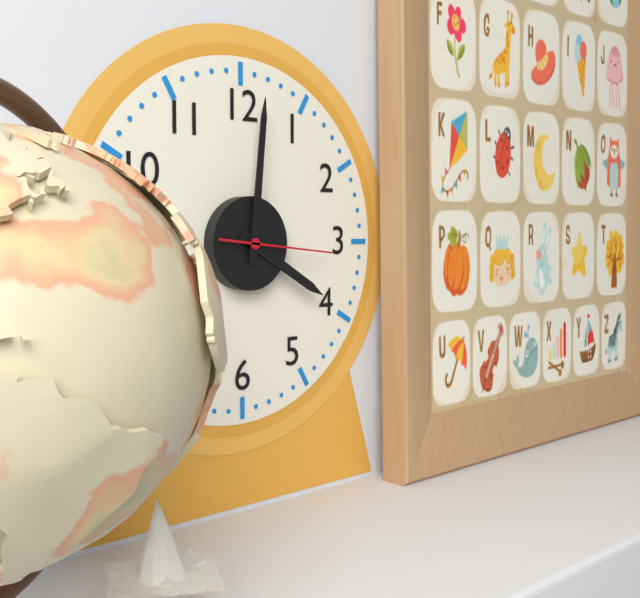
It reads **4:01:16**
